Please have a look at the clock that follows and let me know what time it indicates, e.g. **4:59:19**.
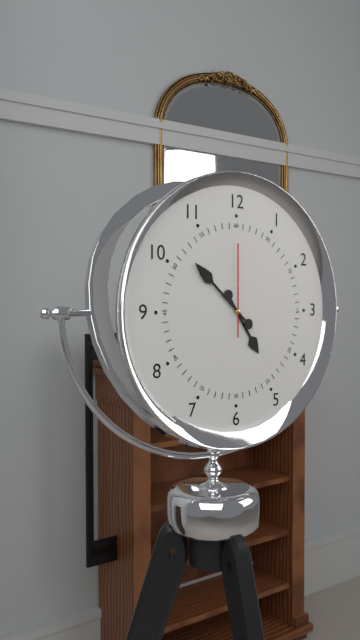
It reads **4:52:00**
